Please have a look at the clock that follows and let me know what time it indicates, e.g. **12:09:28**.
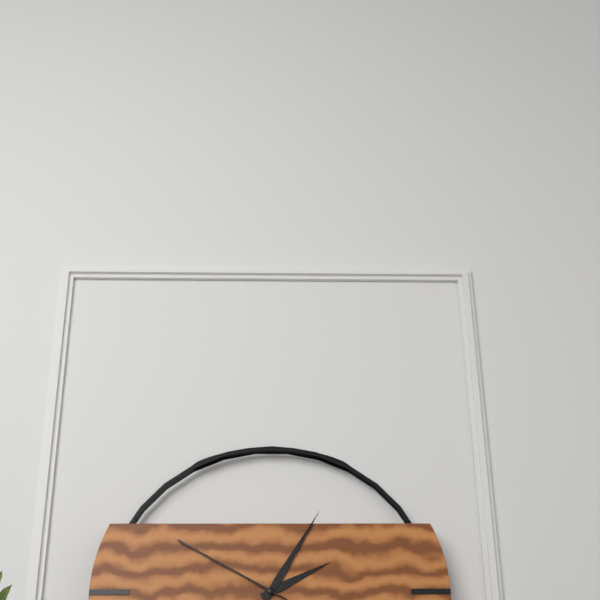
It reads **2:05:50**
